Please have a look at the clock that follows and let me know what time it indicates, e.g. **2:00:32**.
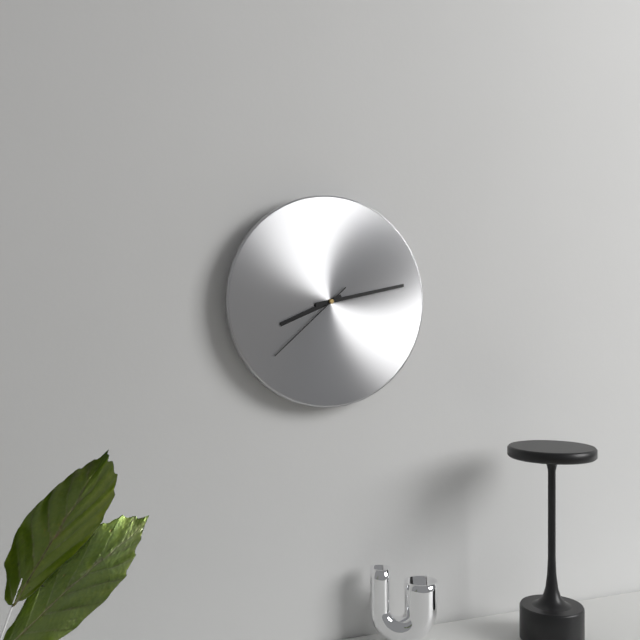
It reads **8:13:38**
